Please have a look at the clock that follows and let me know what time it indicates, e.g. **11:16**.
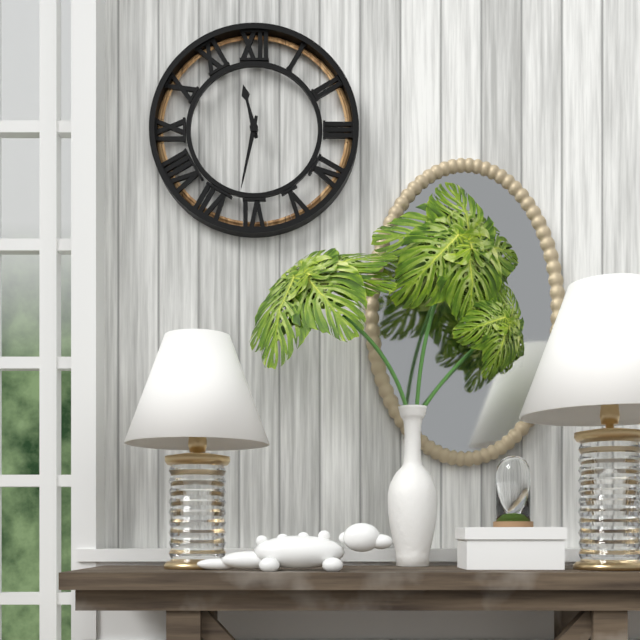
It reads **11:32**
